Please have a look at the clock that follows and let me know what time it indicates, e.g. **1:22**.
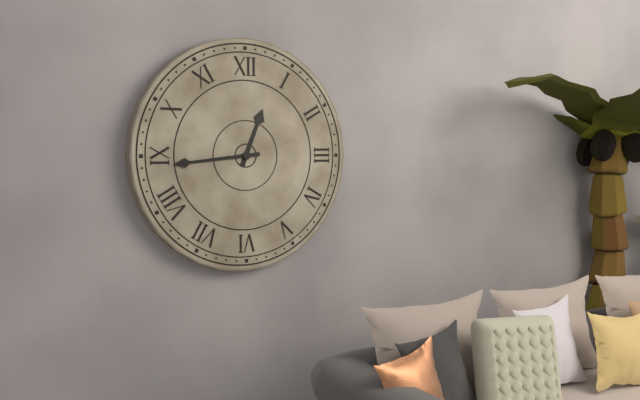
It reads **12:44**
